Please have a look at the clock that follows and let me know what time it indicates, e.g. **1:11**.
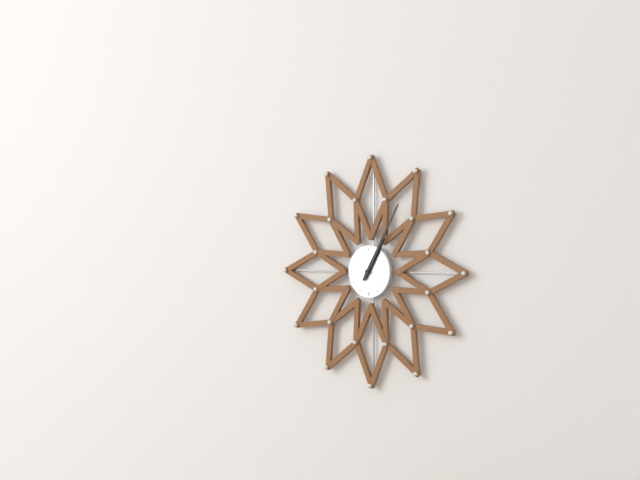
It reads **1:05**
